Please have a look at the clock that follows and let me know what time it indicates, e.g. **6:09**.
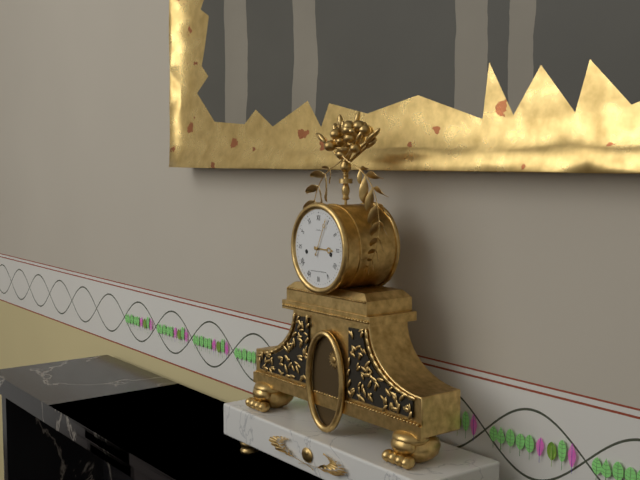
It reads **3:04**
